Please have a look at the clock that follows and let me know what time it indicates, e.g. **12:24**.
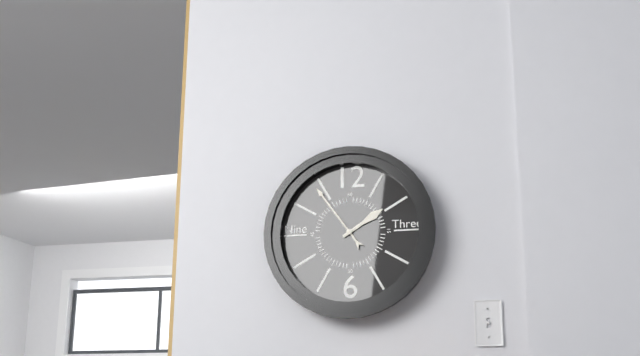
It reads **1:54**
